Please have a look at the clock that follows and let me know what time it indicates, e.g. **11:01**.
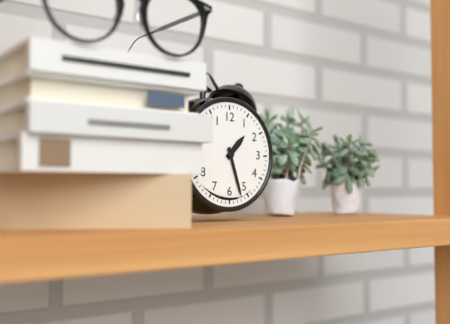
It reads **1:27**
